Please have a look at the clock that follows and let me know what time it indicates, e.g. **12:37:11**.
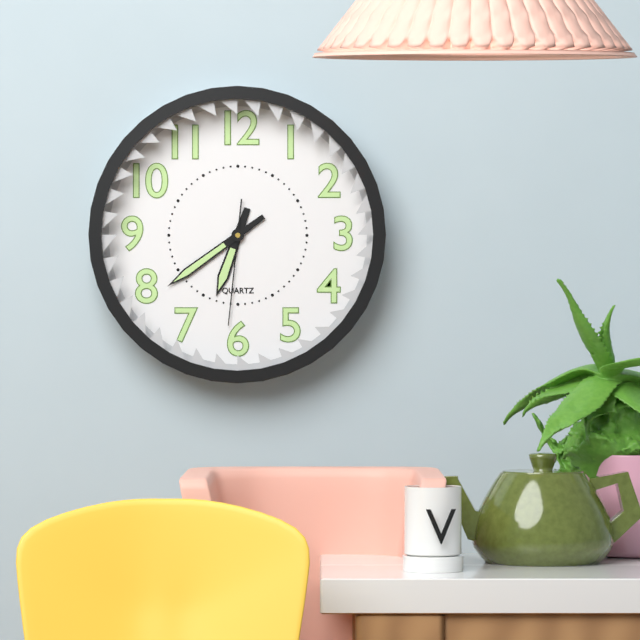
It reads **6:39:31**
